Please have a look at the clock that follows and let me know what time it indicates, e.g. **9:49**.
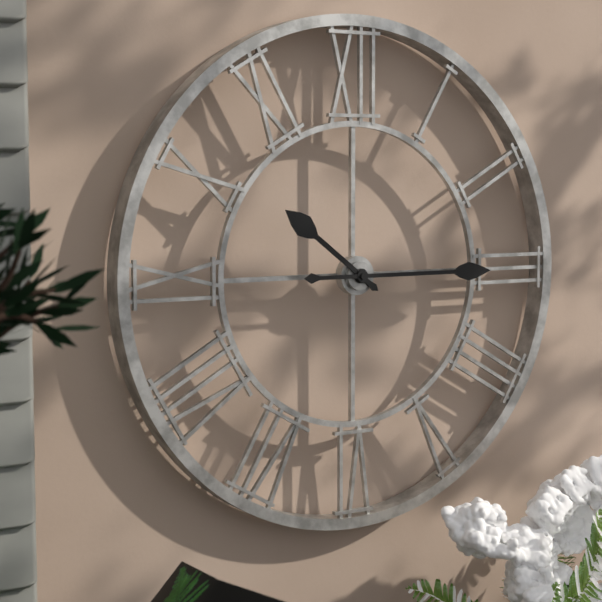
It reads **10:15**
